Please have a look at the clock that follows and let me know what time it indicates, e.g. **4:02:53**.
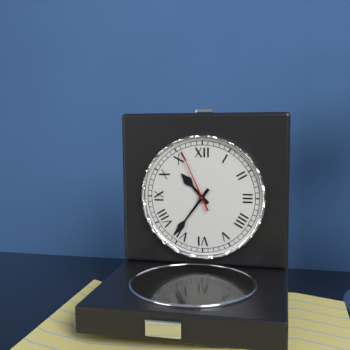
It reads **10:36:56**
